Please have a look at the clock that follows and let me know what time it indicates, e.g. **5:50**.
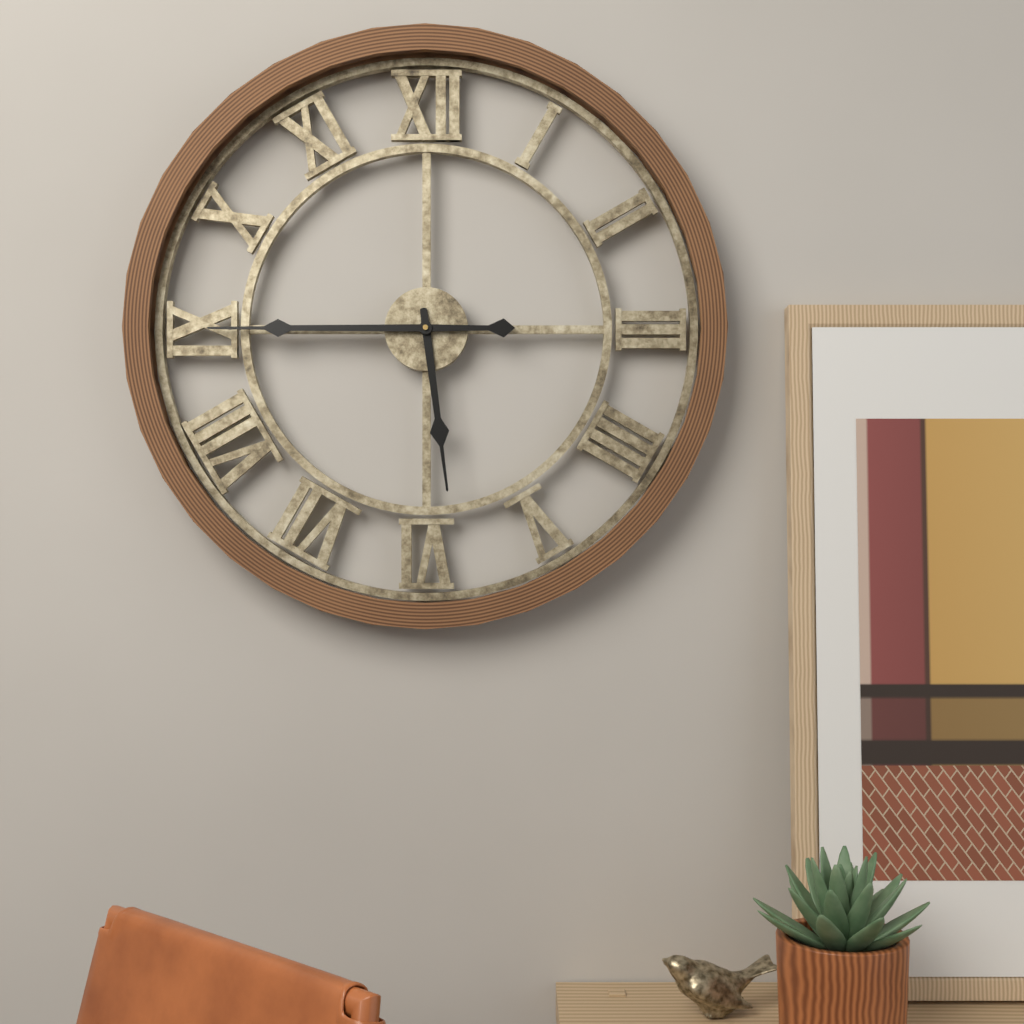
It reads **5:45**
